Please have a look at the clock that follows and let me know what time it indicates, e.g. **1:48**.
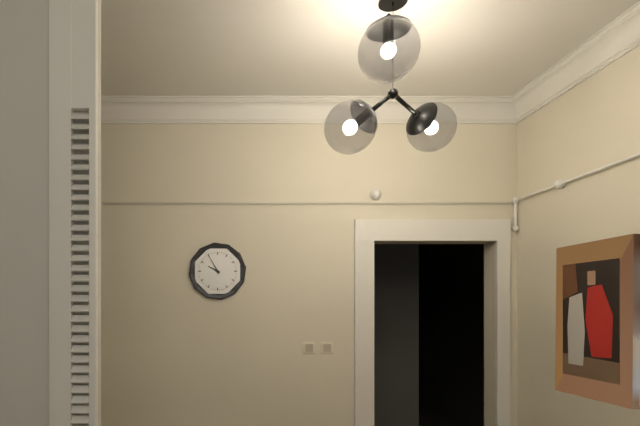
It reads **9:55**
